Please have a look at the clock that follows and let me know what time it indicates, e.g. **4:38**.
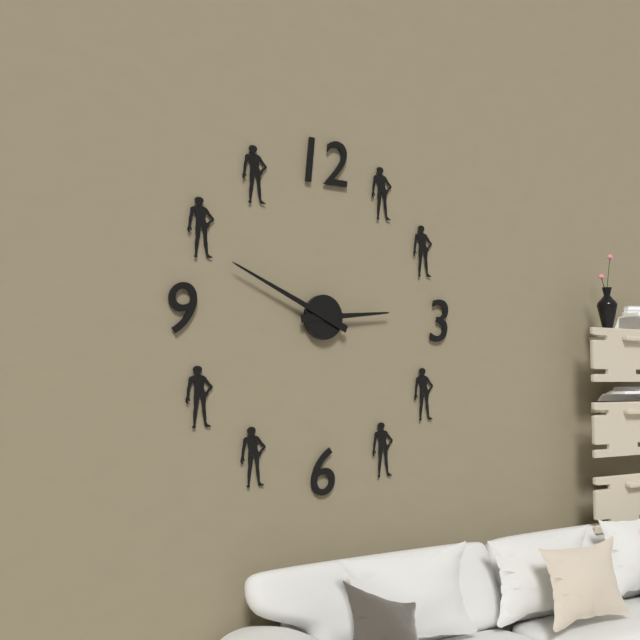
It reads **2:49**
